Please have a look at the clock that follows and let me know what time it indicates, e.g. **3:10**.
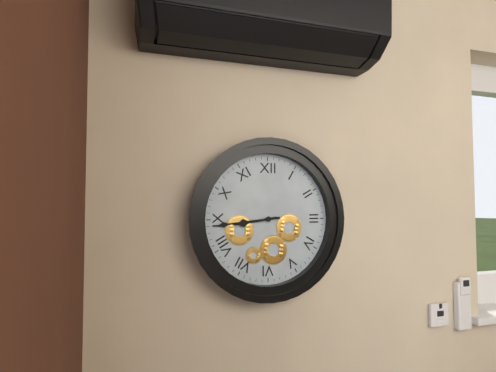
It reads **8:44**
